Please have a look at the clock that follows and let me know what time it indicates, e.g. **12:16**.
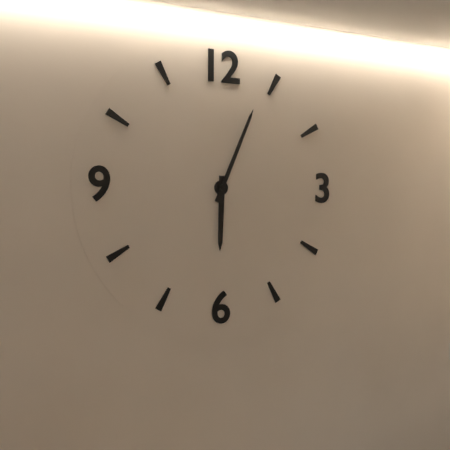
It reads **6:04**
